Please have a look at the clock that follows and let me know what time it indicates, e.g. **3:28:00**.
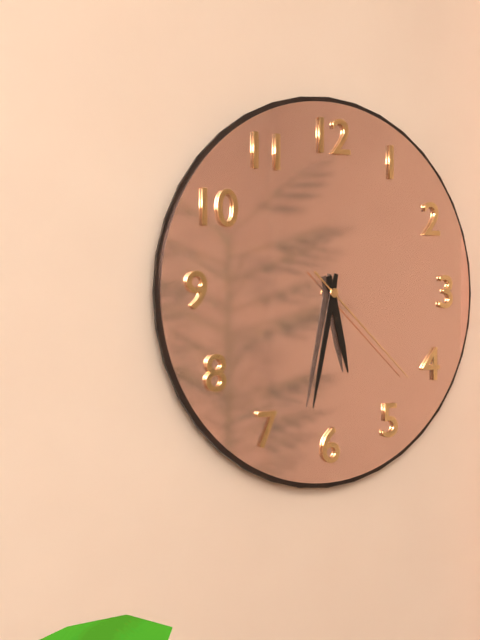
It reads **5:32:22**
